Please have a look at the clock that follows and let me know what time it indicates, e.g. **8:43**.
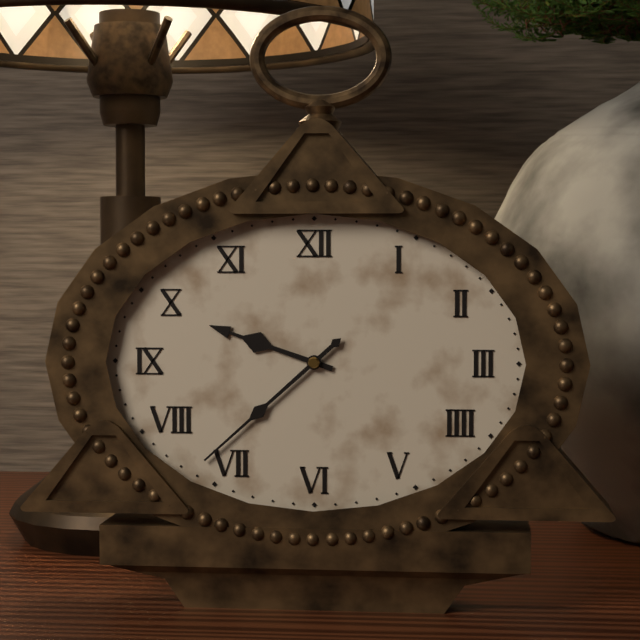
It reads **9:38**
